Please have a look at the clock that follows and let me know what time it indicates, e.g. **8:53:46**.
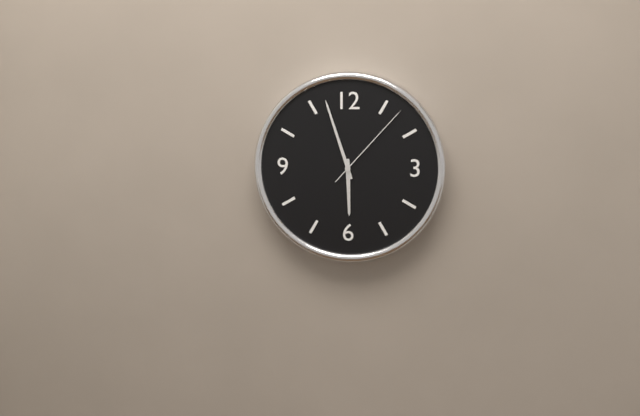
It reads **5:57:07**
